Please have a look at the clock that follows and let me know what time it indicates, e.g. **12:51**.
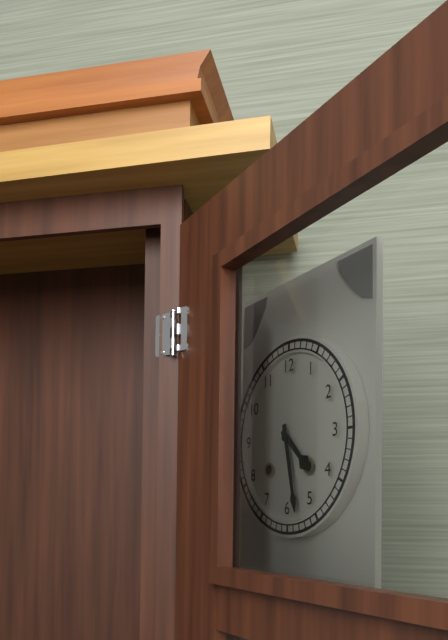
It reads **4:28**
